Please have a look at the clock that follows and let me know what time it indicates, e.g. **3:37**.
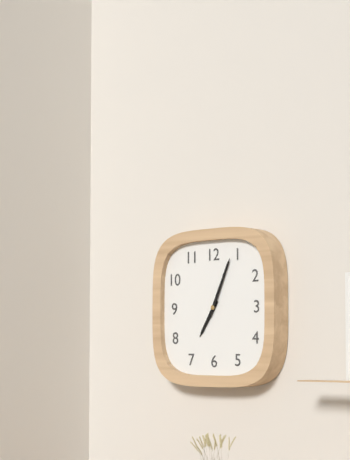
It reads **7:04**
